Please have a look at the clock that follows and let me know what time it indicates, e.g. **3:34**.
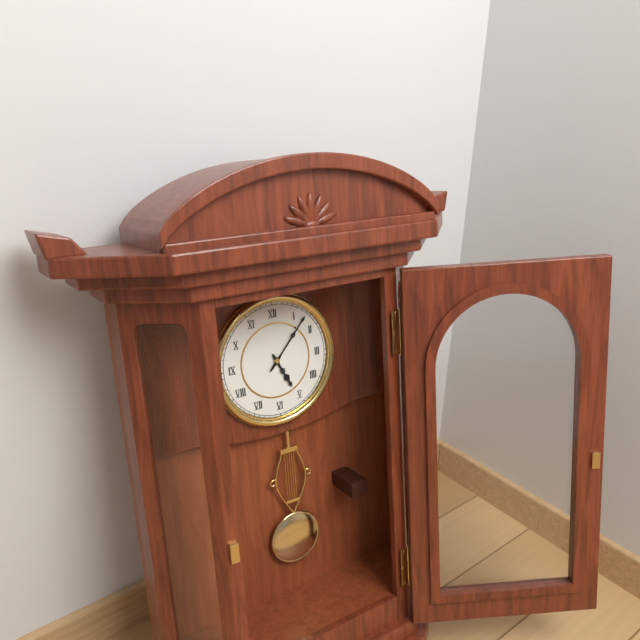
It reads **5:07**
